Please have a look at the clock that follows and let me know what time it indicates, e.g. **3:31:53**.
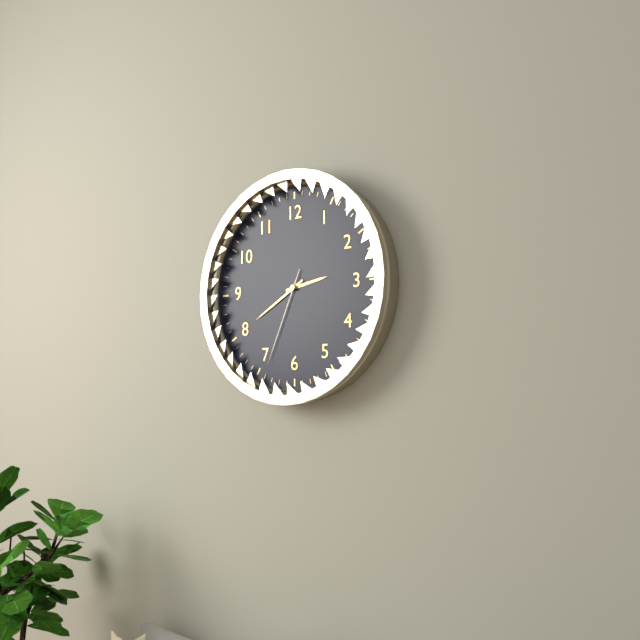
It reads **2:40:34**
